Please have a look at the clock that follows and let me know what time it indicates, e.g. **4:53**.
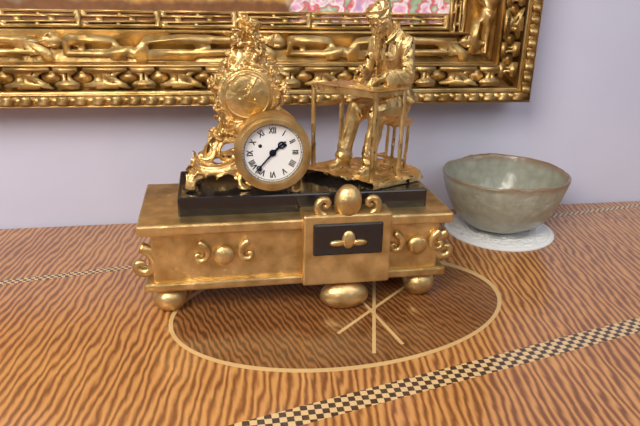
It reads **1:37**
